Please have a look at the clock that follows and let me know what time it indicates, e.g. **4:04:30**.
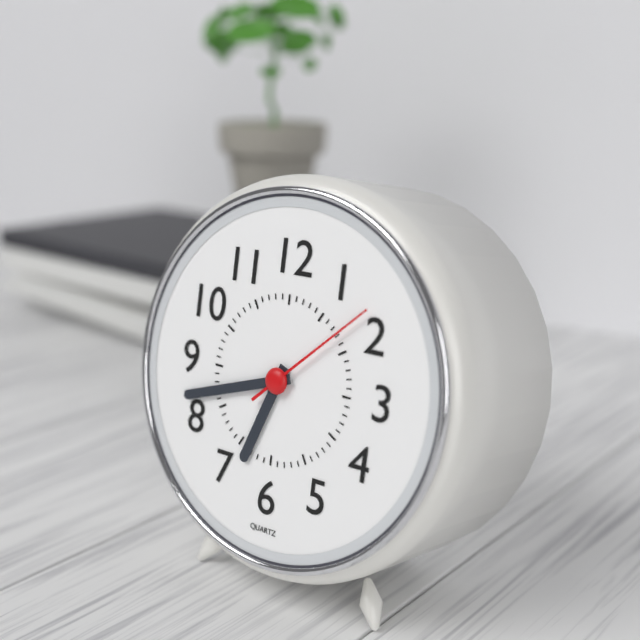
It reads **6:42:08**
